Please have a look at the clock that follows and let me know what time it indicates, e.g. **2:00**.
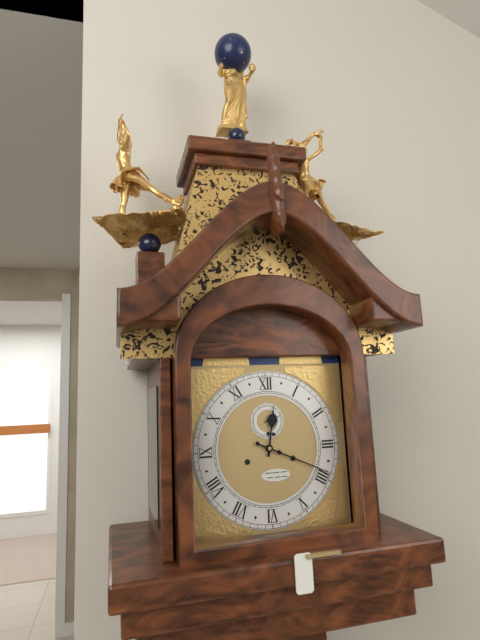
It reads **12:19**
